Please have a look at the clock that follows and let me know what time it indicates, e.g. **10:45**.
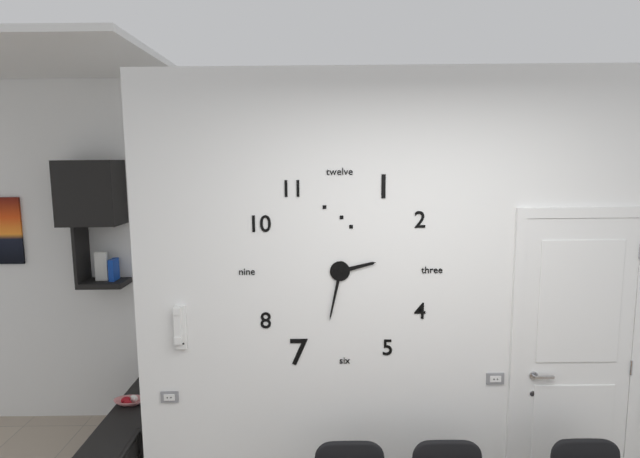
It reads **2:32**
